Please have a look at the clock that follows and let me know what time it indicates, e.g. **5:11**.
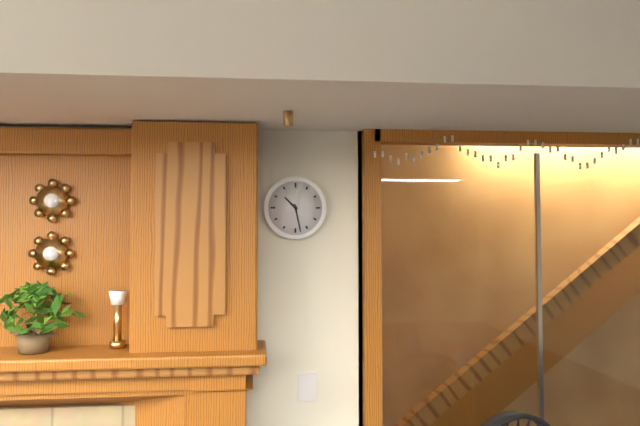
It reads **10:28**
